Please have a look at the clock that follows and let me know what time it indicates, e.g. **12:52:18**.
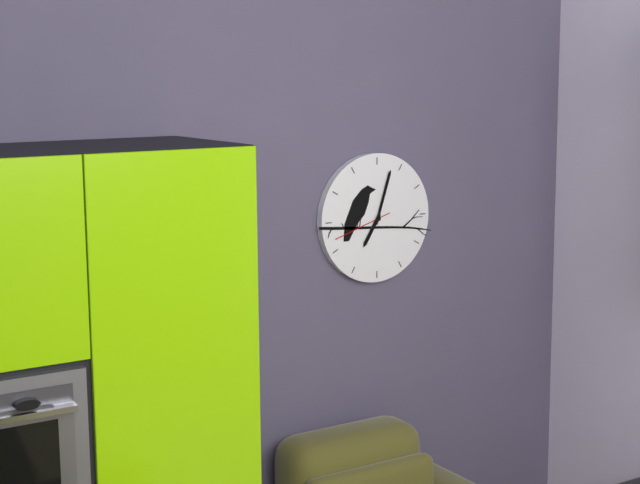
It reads **7:03:42**
